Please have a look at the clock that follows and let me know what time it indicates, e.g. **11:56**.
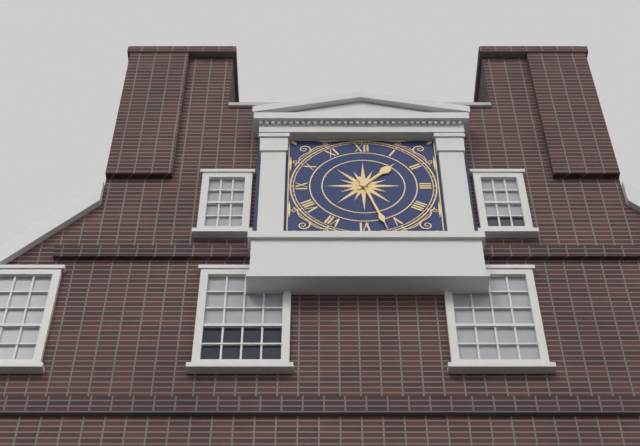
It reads **1:27**
